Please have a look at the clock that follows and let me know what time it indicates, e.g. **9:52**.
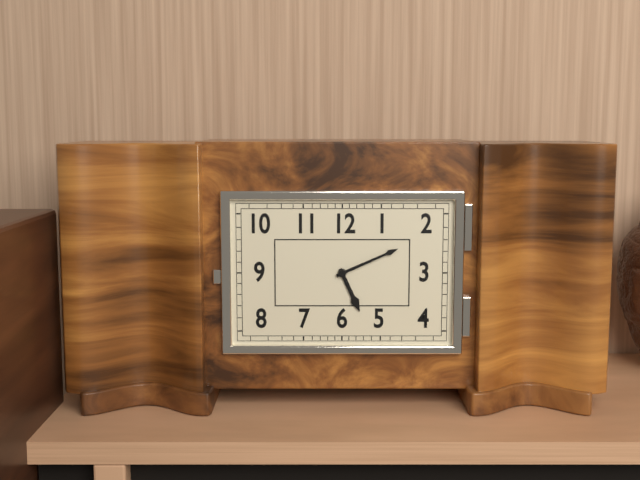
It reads **5:11**
